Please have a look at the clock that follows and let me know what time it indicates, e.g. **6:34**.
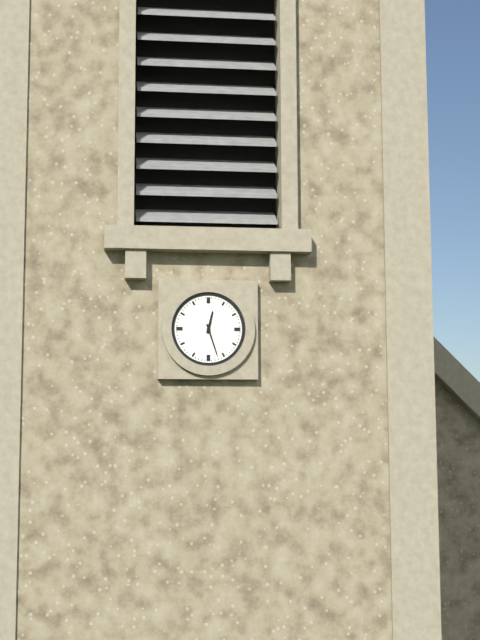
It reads **12:27**
